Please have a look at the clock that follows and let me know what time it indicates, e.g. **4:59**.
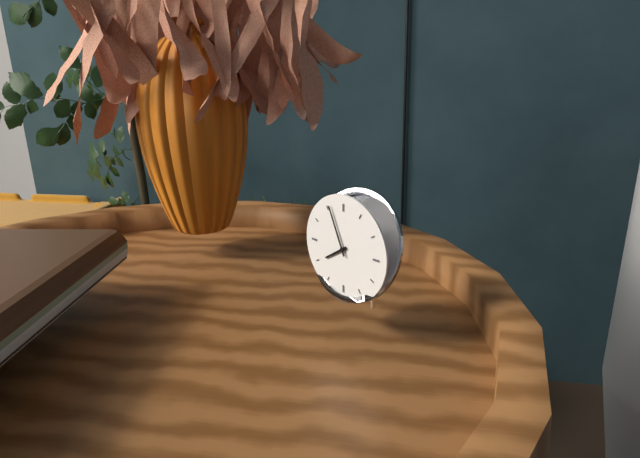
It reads **7:56**
